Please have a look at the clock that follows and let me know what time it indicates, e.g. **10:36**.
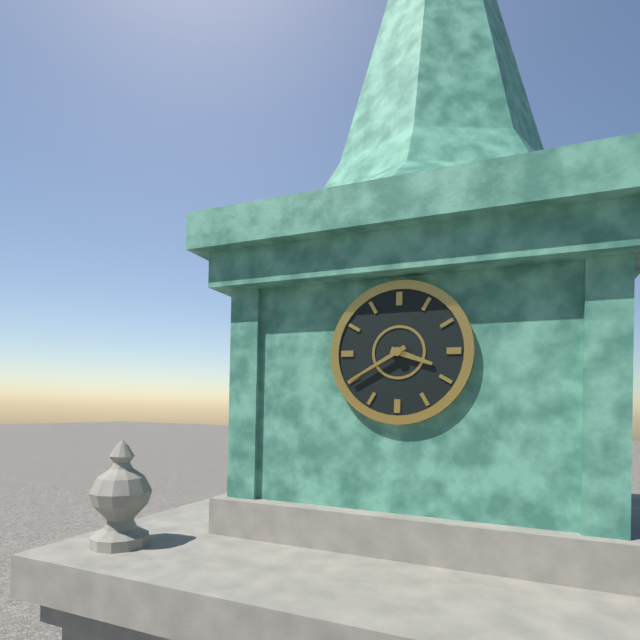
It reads **3:40**
